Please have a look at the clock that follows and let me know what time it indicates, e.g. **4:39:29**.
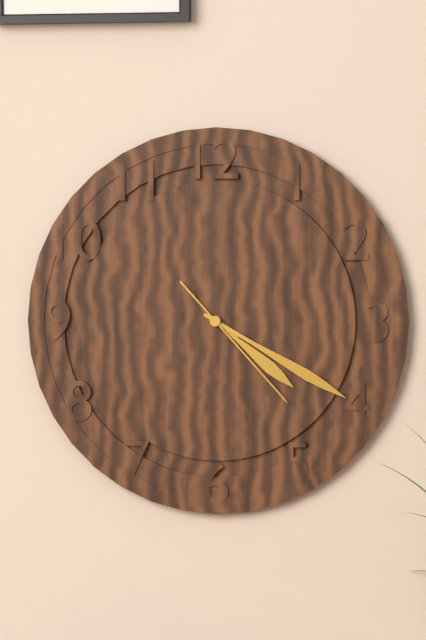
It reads **4:20:23**
